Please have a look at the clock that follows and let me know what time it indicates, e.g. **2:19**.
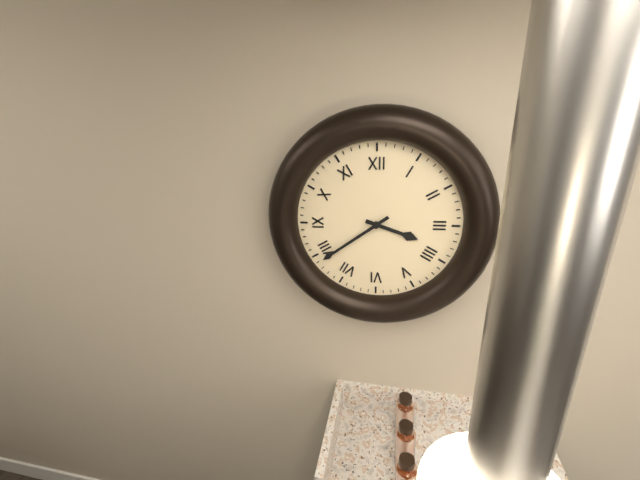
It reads **3:39**
